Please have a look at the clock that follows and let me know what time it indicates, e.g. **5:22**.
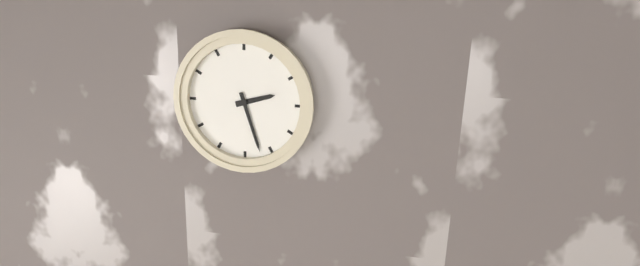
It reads **2:27**
